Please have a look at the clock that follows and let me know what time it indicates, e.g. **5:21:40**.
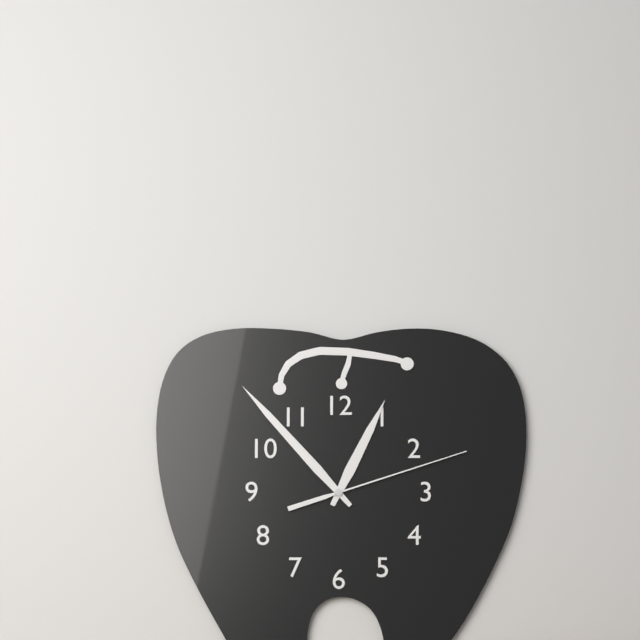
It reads **12:53:12**
